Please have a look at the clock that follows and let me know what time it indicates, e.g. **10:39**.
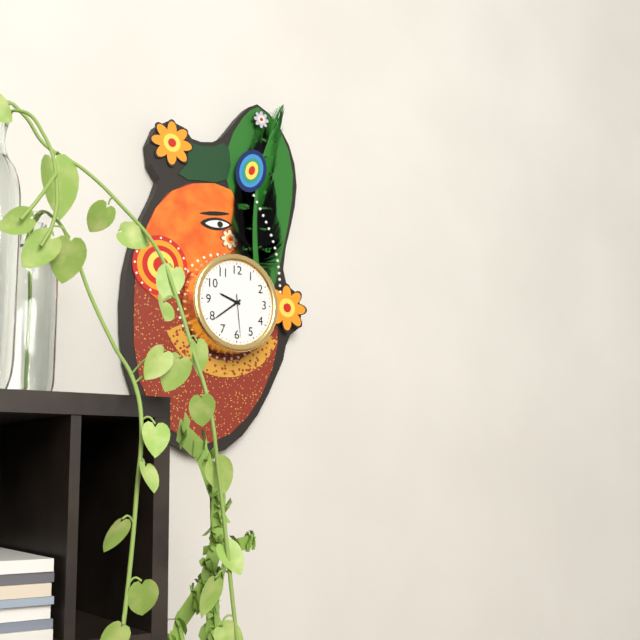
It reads **9:39**
